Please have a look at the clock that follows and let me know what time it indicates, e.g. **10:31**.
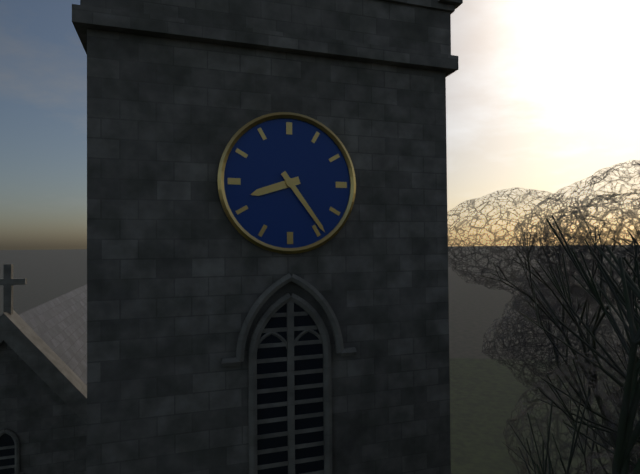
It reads **8:24**
